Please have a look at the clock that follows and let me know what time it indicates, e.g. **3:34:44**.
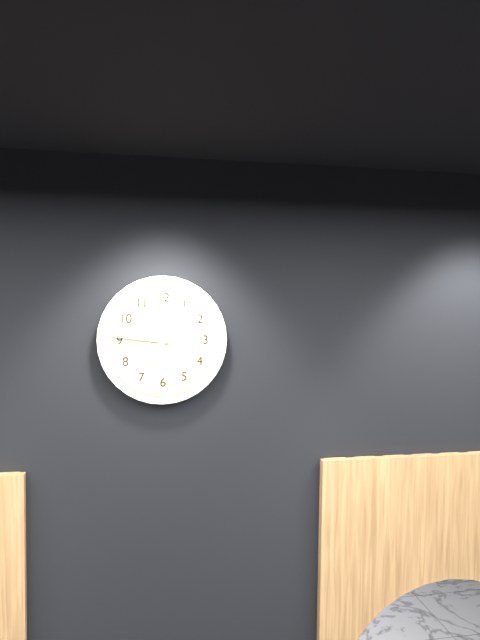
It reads **12:46:00**
